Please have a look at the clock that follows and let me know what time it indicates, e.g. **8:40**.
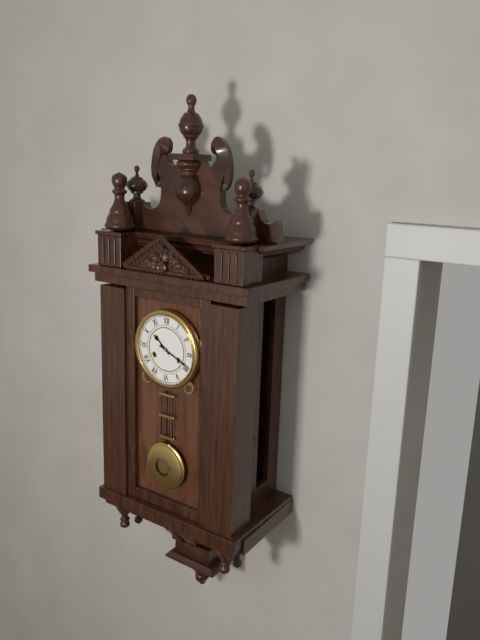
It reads **10:19**
